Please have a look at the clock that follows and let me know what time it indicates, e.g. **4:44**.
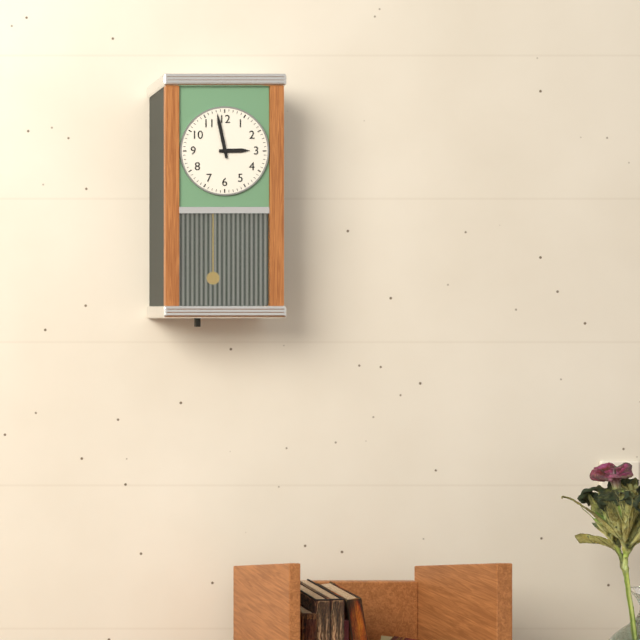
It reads **2:58**
